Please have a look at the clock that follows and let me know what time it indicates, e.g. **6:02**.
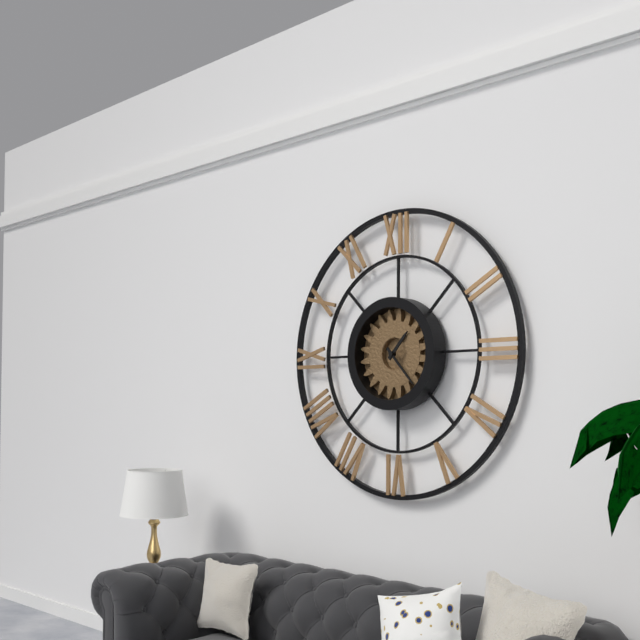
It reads **1:23**
